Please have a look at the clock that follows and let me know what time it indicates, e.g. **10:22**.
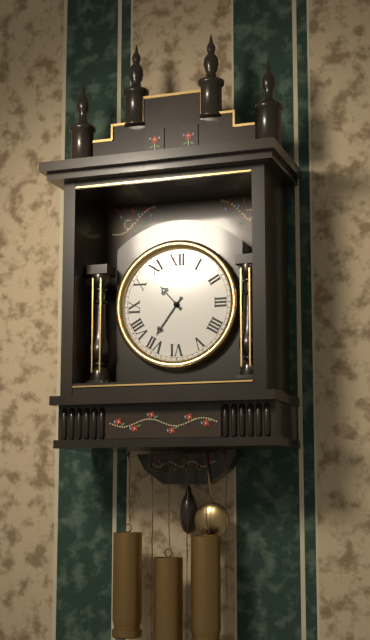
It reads **10:36**
